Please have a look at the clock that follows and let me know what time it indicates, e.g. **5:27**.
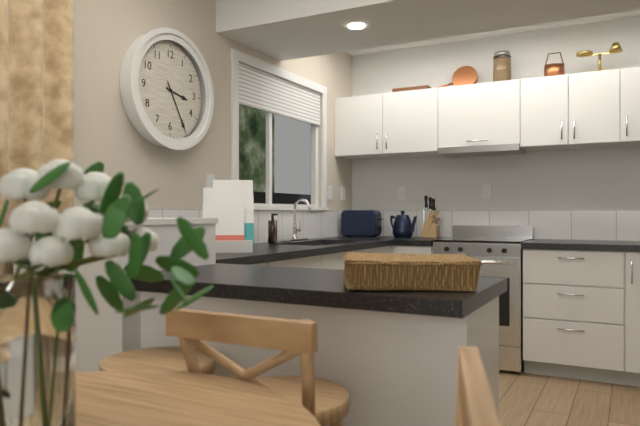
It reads **3:25**
